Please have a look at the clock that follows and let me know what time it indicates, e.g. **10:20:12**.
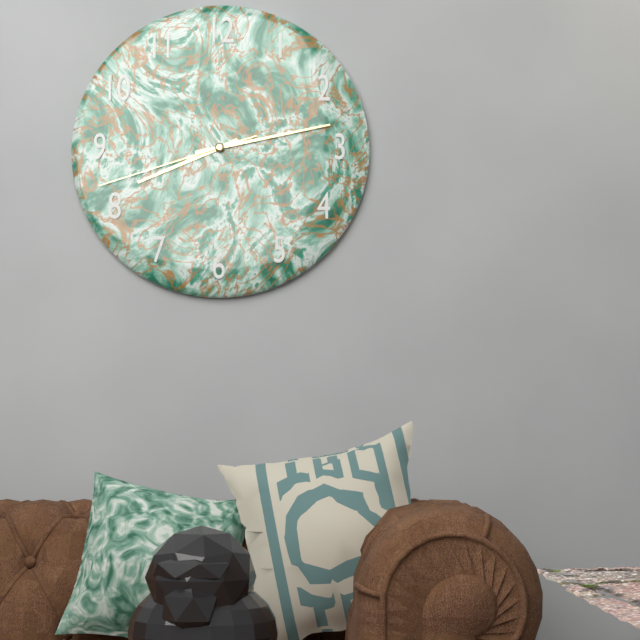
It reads **8:13:42**
